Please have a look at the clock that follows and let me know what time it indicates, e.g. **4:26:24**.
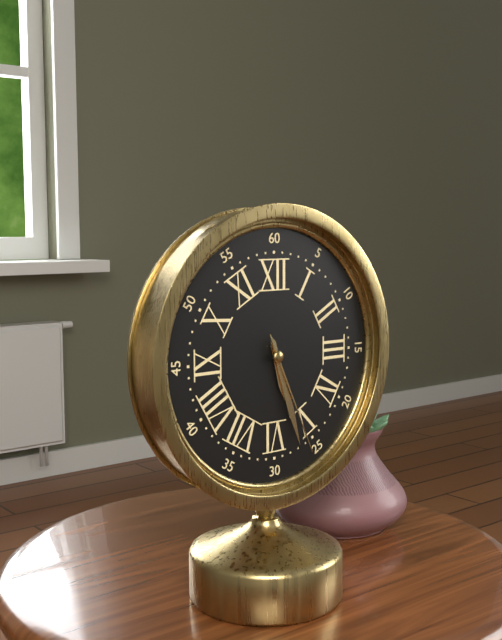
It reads **5:27:26**
